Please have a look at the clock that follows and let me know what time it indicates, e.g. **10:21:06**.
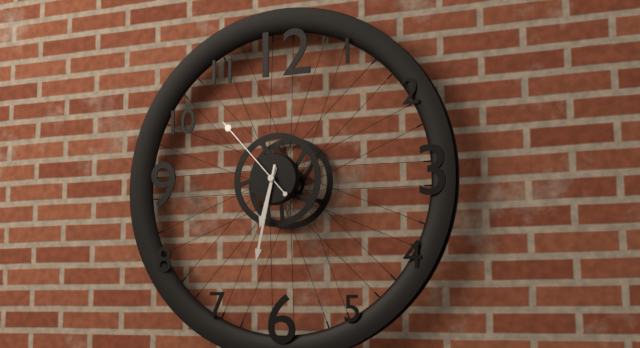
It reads **6:32:53**
